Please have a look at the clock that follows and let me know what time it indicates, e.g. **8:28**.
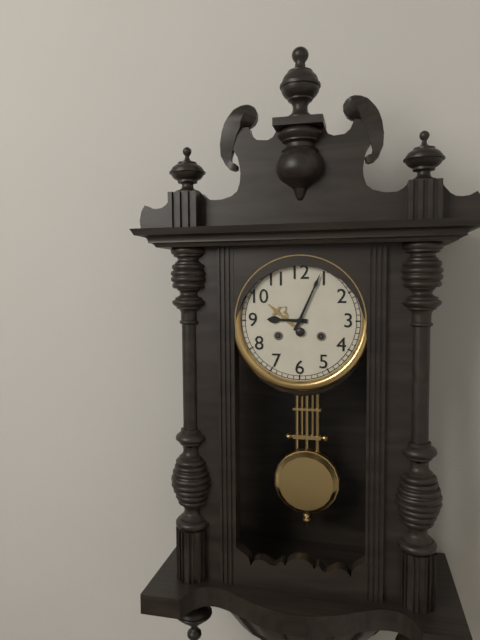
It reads **9:04**
